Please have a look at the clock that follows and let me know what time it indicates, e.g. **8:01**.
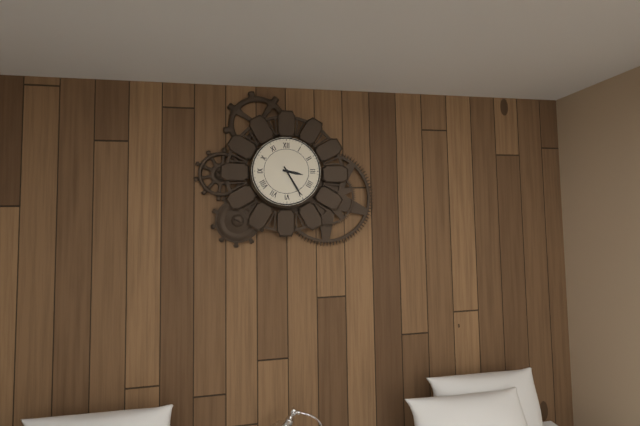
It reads **3:25**
